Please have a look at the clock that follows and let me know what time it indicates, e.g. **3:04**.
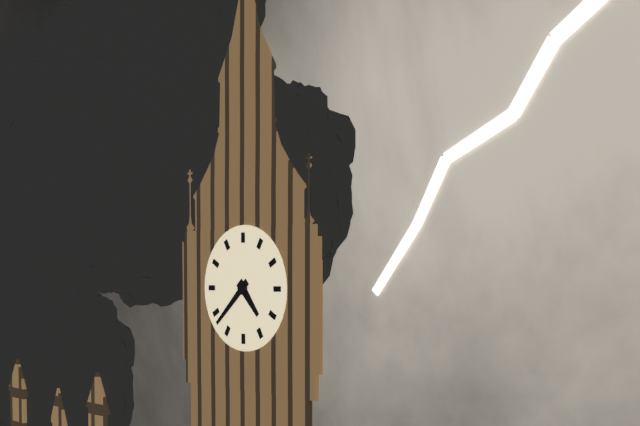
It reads **4:38**
